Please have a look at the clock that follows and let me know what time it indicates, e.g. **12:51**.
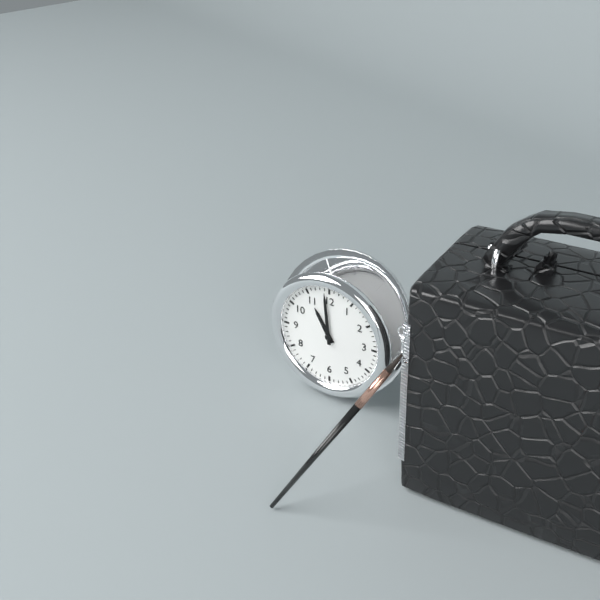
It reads **10:59**
